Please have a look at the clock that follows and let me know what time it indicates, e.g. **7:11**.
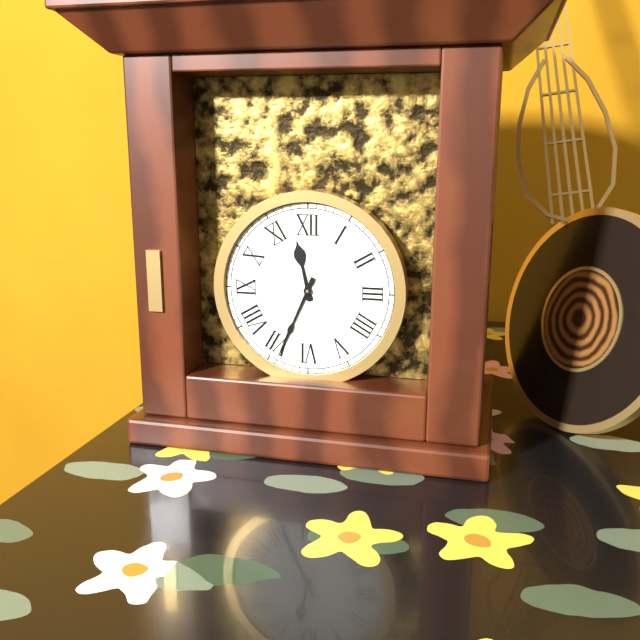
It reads **11:34**
